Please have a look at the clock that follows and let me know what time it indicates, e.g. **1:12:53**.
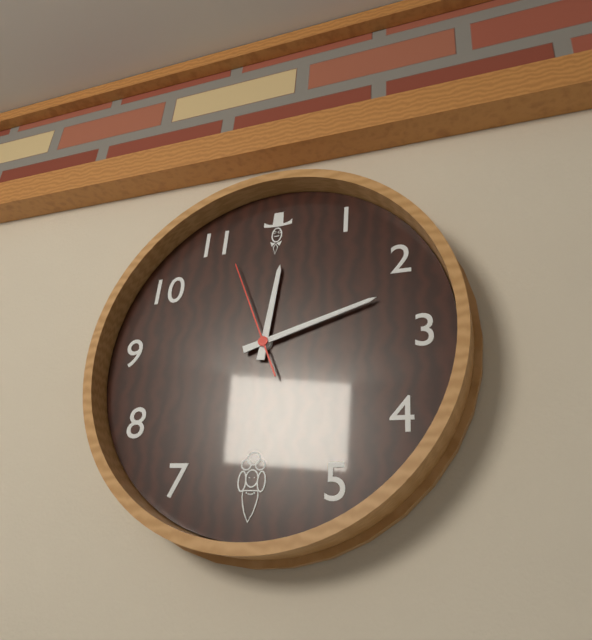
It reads **12:12:56**
